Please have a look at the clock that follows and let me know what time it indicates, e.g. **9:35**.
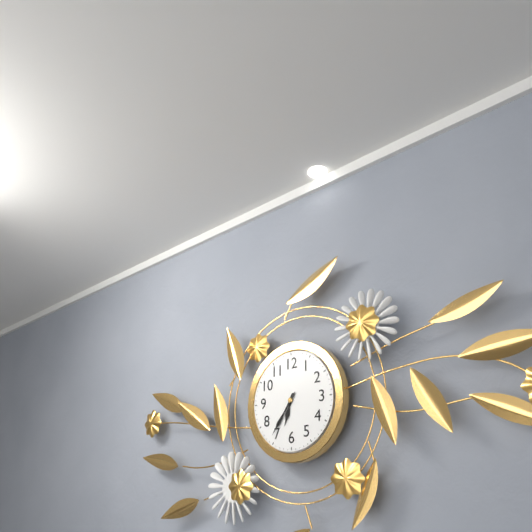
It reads **6:36**
